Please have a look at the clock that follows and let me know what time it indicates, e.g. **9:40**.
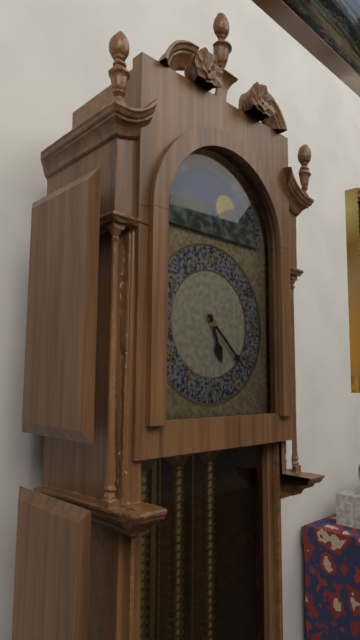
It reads **5:22**
